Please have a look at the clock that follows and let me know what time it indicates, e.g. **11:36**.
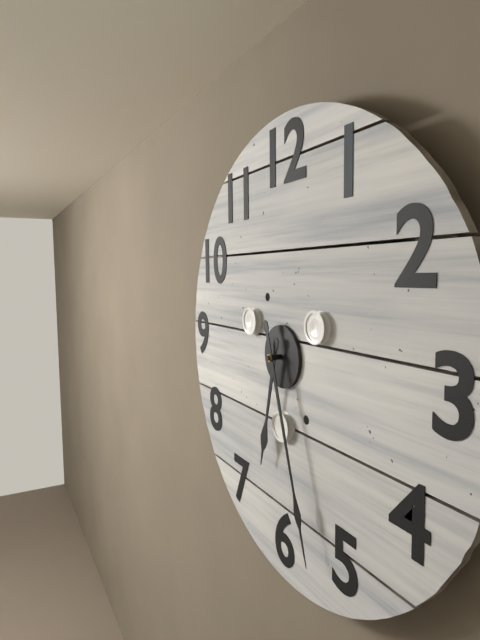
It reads **6:27**
